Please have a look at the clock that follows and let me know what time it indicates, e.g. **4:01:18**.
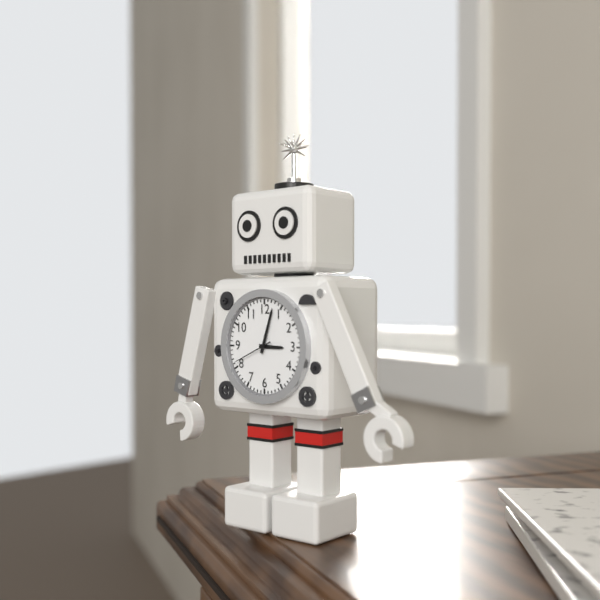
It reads **3:03:41**
